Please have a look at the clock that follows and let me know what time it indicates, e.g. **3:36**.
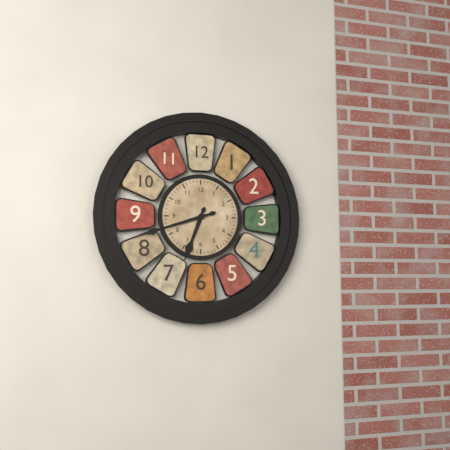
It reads **6:42**
